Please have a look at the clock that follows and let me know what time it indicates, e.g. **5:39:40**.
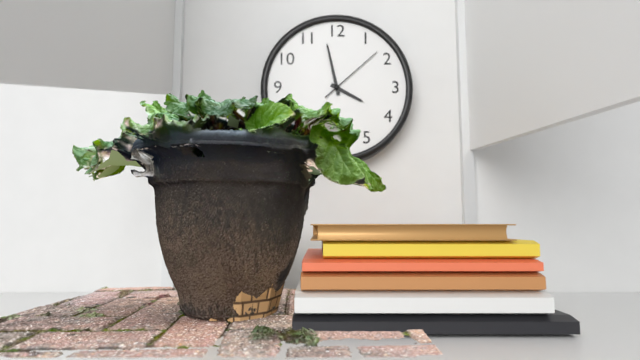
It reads **3:58:08**
